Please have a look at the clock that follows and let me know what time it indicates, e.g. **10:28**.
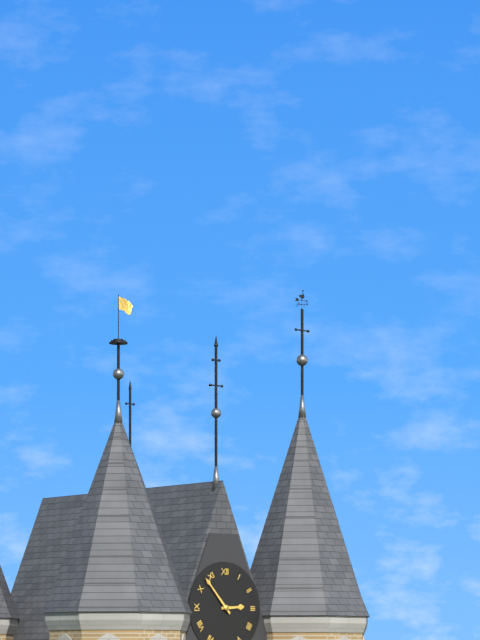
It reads **2:53**
